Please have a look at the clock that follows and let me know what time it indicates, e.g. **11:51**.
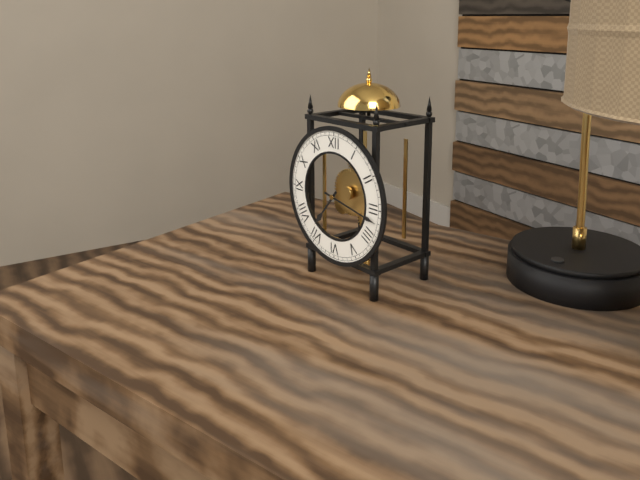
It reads **7:17**
